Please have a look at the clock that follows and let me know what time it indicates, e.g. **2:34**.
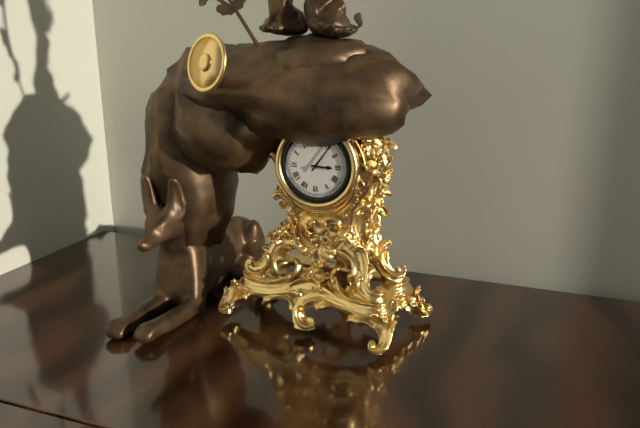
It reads **3:06**
